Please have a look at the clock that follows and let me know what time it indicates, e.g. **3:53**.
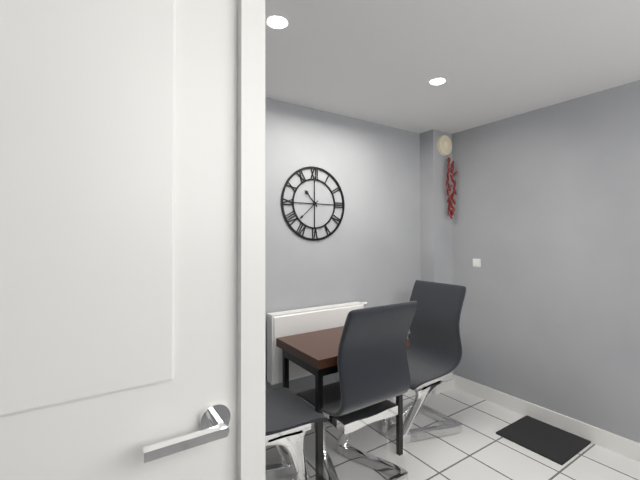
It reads **10:38**
